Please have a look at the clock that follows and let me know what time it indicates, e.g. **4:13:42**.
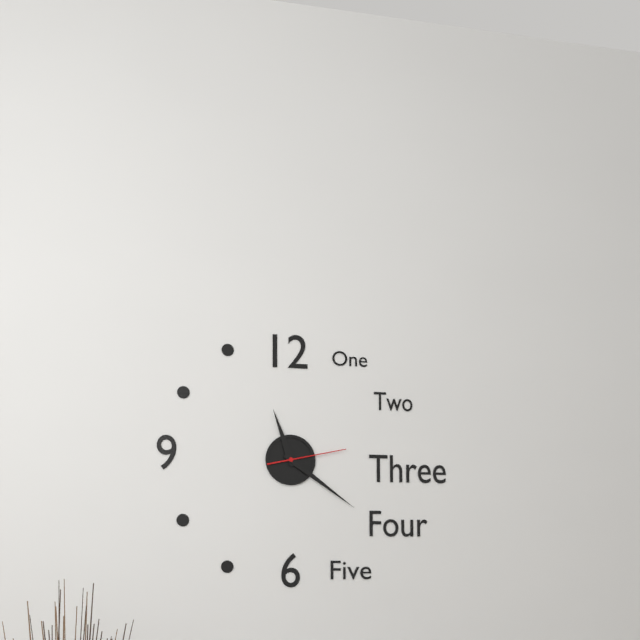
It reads **11:21:13**
